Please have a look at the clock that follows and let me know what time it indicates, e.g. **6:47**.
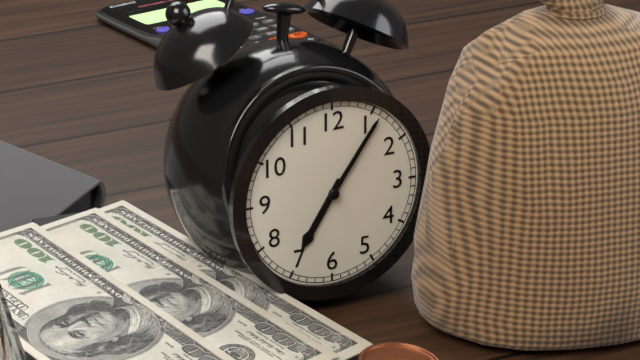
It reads **7:06**
